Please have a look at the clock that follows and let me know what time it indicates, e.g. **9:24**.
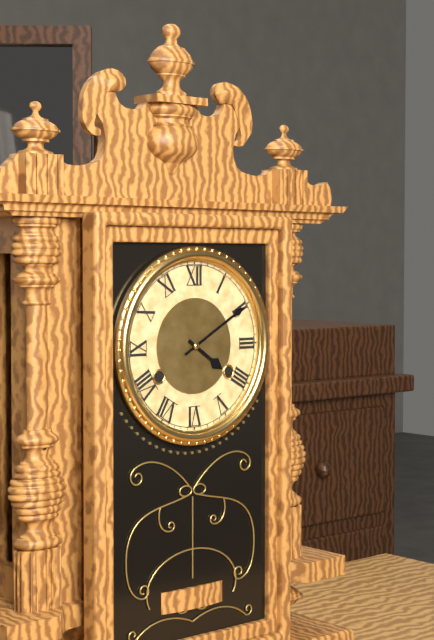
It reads **4:10**
